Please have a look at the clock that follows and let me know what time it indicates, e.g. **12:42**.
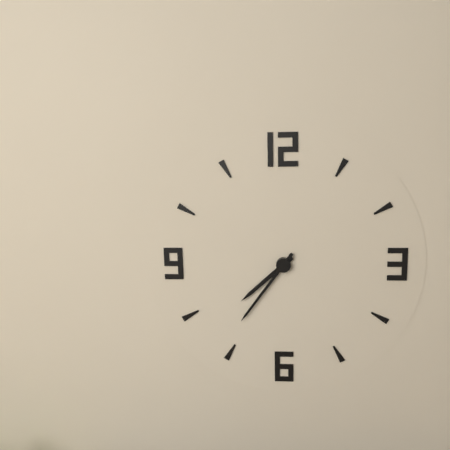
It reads **7:36**
